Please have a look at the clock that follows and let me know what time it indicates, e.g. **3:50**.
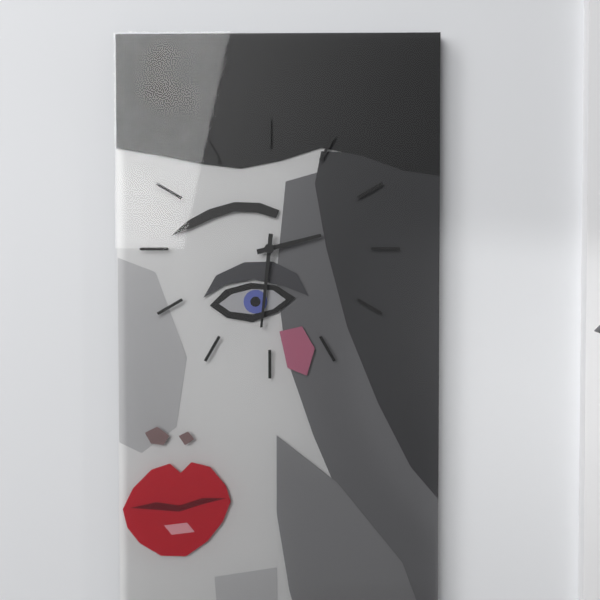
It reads **2:31**
